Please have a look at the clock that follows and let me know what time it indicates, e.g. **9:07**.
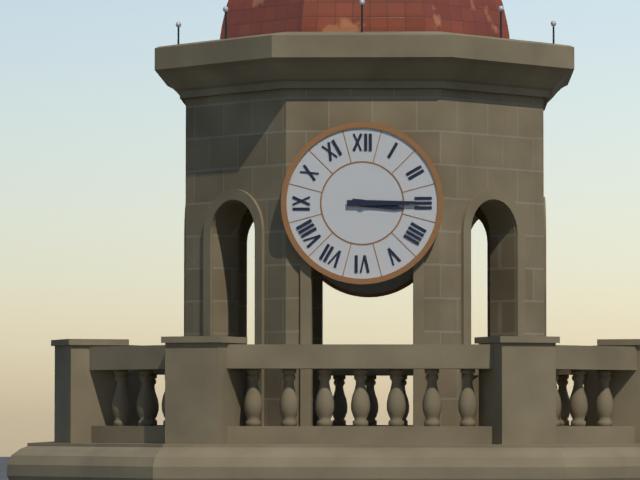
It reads **3:15**
